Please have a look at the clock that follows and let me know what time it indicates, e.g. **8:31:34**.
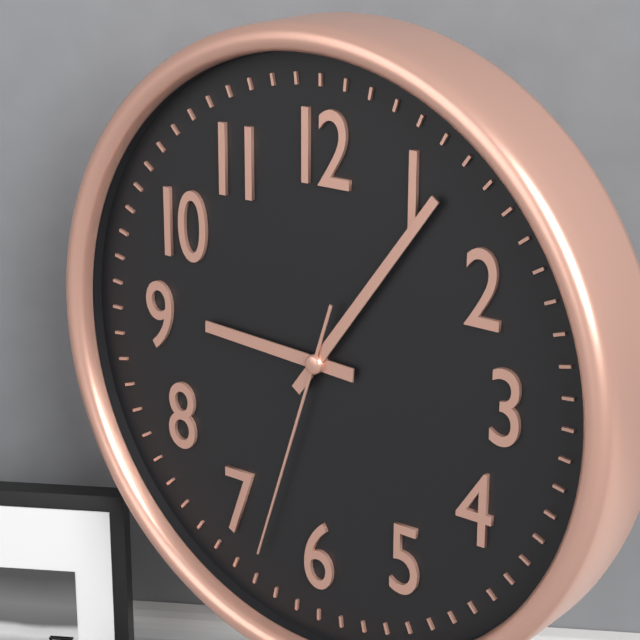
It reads **9:06:33**
